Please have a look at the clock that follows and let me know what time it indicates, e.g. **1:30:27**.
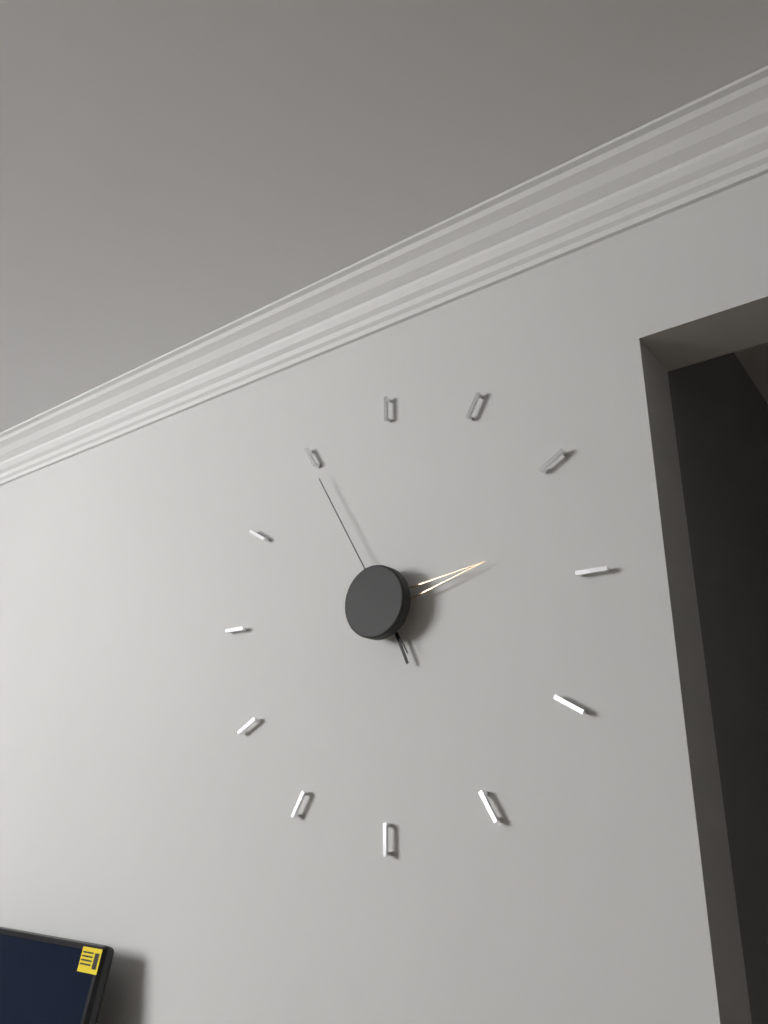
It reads **5:13:55**
